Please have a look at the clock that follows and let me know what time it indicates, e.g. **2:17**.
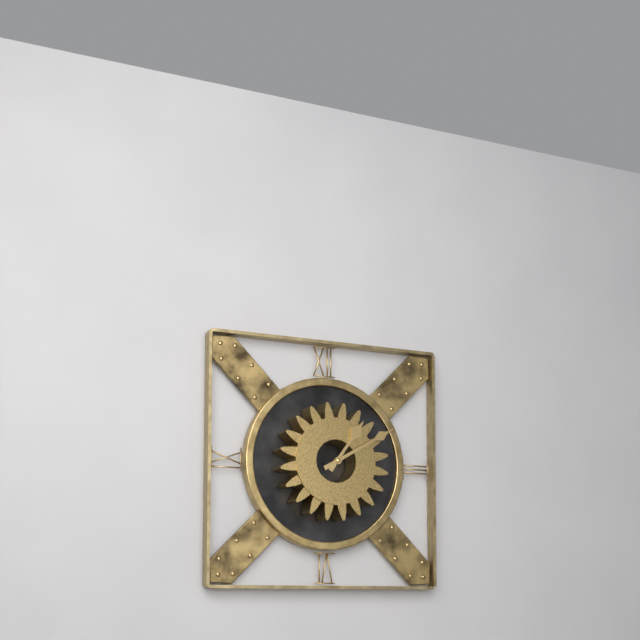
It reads **1:10**
